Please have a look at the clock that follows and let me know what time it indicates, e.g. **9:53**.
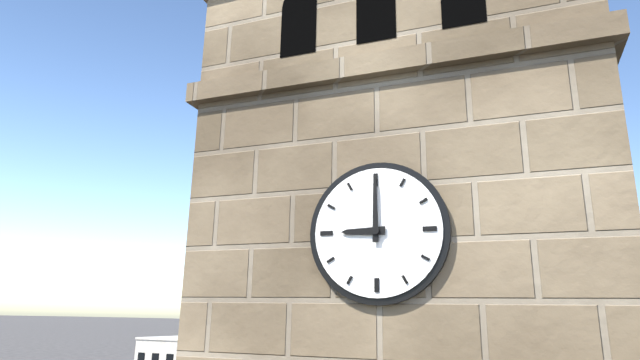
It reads **9:00**
